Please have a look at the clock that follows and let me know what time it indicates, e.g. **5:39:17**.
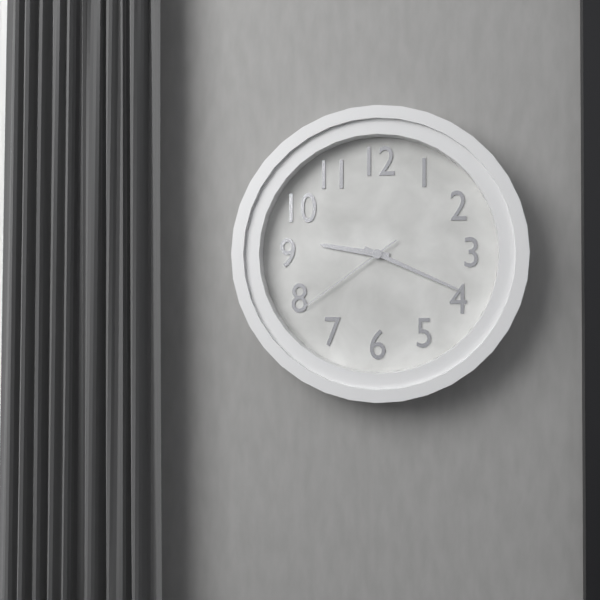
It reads **9:19:39**
